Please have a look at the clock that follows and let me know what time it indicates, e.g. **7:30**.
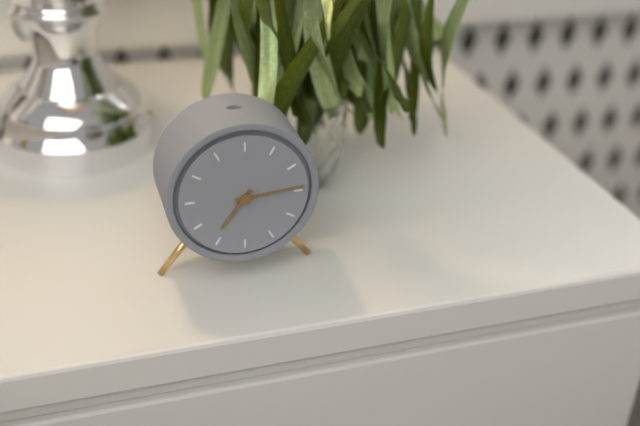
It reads **7:14**
